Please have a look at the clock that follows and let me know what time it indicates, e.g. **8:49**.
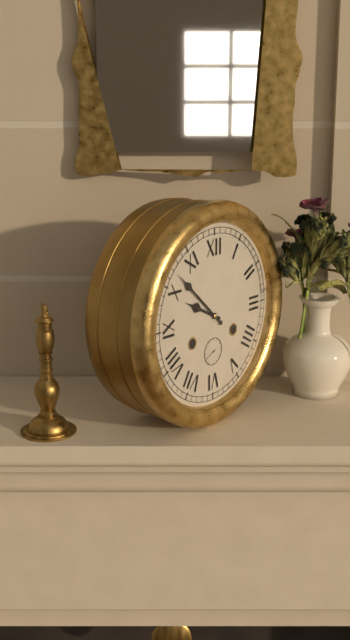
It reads **9:52**
